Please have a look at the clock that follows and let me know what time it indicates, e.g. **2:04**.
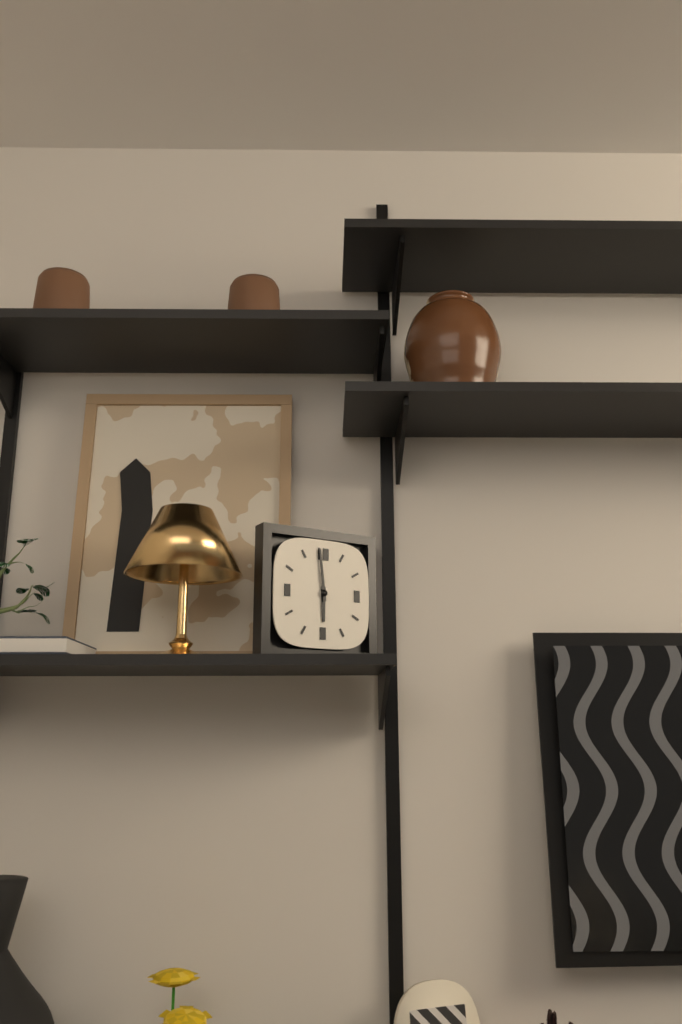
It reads **5:59**
